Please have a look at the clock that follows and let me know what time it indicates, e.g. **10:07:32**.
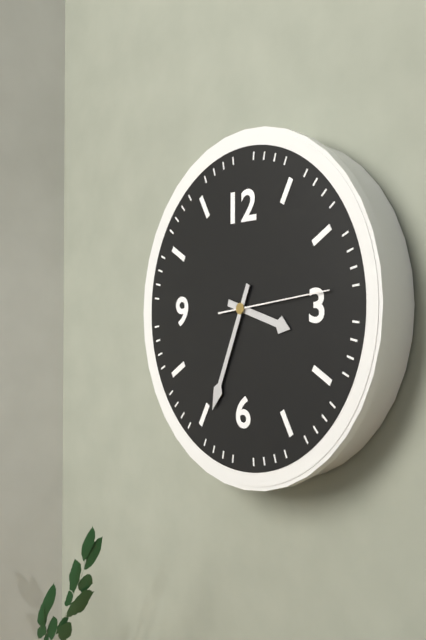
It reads **3:34:14**
